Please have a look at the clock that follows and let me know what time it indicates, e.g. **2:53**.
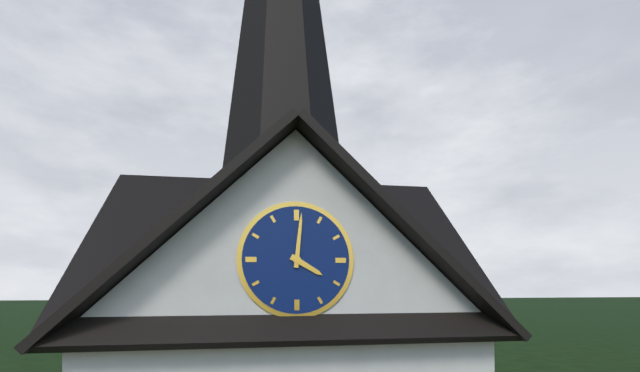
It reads **4:01**
